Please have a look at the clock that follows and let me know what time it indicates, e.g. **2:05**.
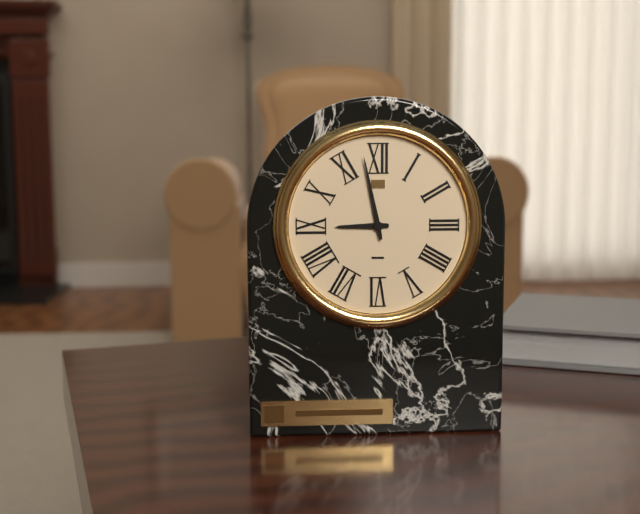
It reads **8:58**
